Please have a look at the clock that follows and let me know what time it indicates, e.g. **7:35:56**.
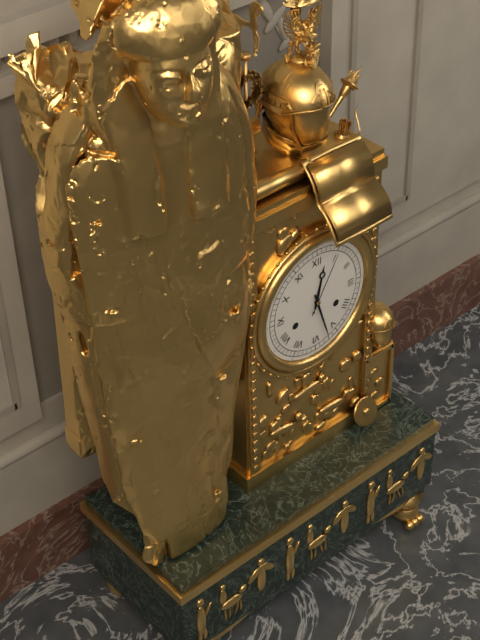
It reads **12:27:05**
